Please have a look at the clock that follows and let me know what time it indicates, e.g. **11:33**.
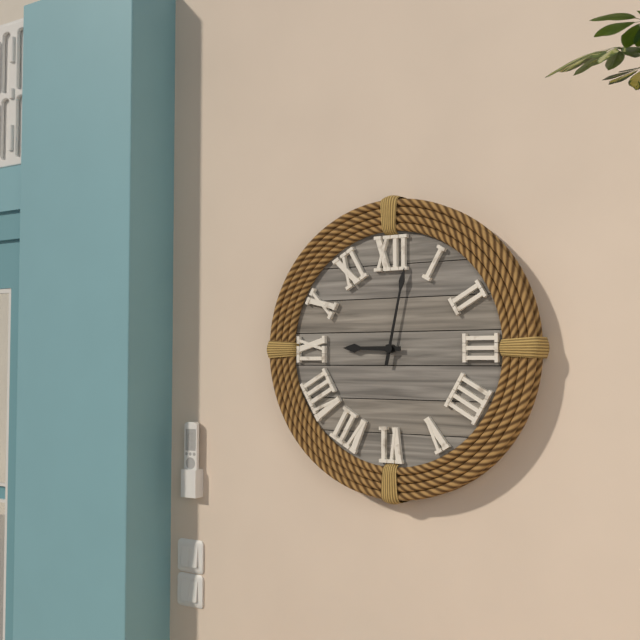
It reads **9:02**
